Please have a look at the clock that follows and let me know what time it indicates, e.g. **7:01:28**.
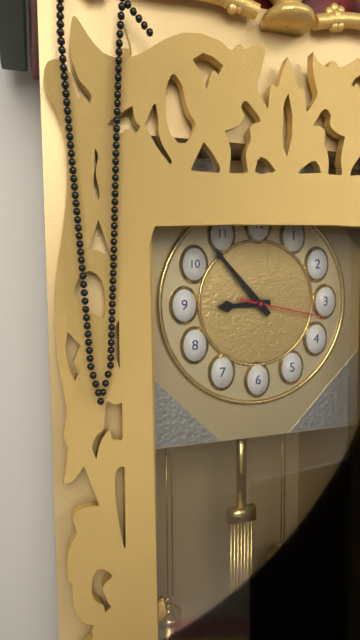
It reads **8:53:17**
